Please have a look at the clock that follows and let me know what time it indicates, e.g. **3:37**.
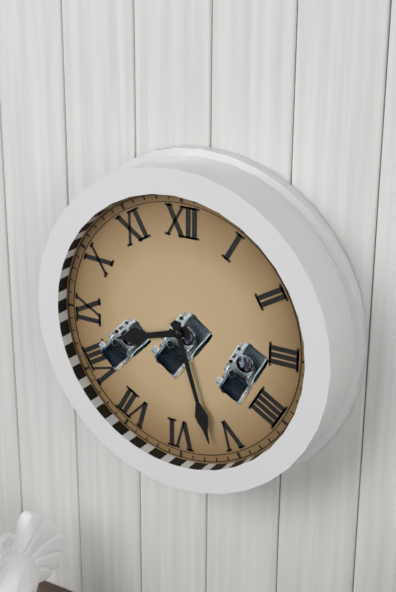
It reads **8:27**
